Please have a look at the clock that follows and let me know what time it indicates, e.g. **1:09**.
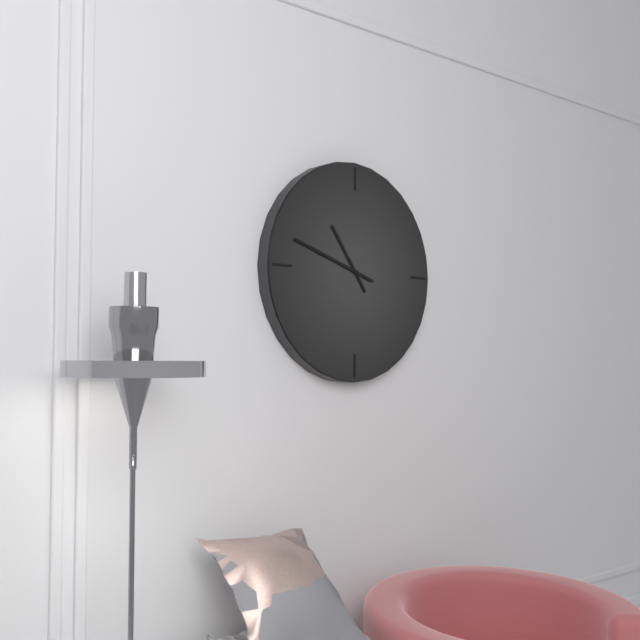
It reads **10:48**
